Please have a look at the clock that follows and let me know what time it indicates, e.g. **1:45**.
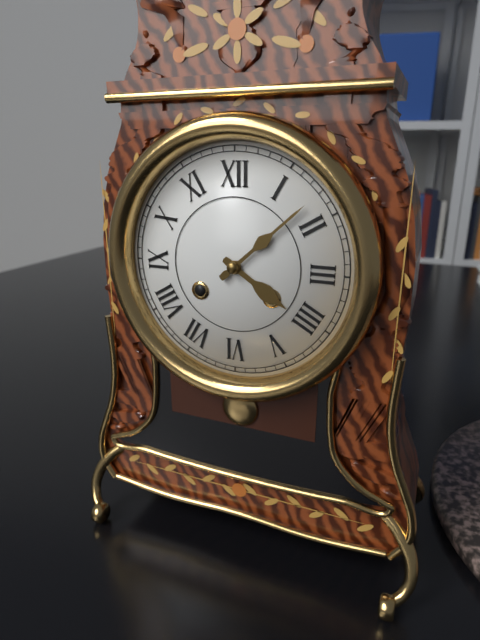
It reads **4:08**
